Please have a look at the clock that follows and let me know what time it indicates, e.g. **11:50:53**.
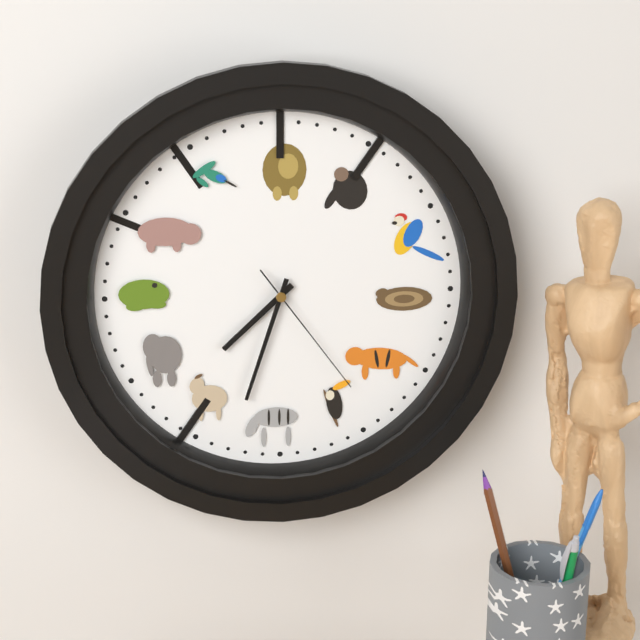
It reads **7:33:24**
